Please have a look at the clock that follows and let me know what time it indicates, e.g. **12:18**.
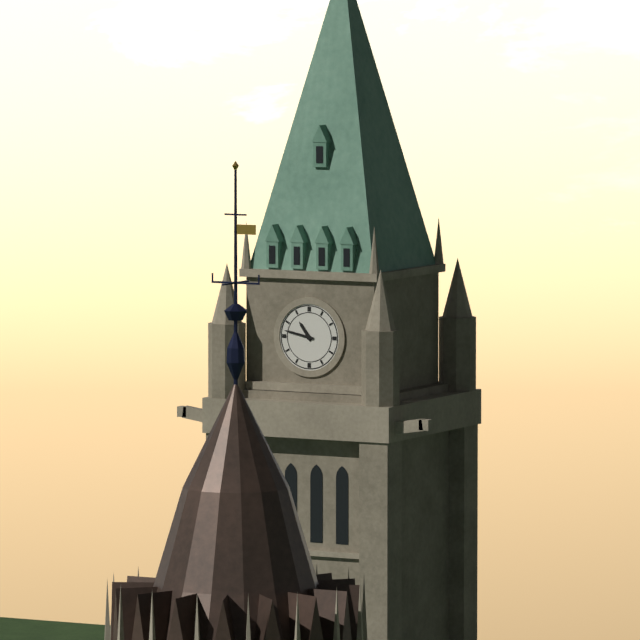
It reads **10:47**
